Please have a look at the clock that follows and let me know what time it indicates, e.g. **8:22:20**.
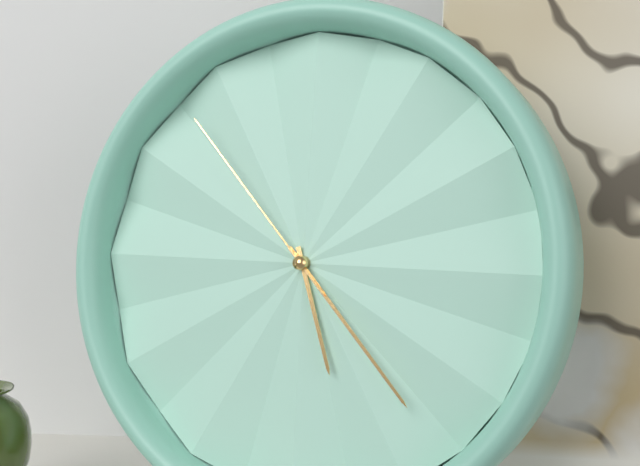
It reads **5:23:53**
